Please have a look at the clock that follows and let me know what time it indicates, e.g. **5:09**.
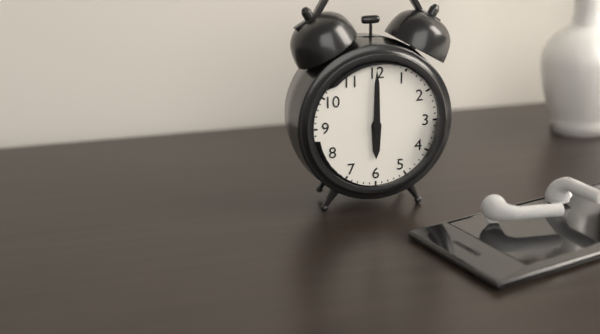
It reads **6:00**
